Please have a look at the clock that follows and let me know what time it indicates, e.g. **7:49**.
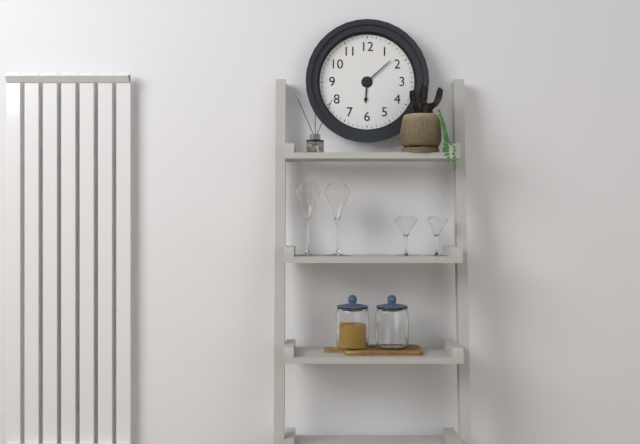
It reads **6:08**
